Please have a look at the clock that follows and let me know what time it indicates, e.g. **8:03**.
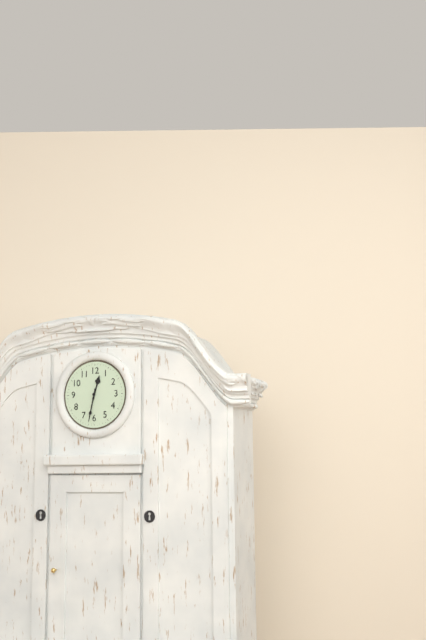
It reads **12:32**
